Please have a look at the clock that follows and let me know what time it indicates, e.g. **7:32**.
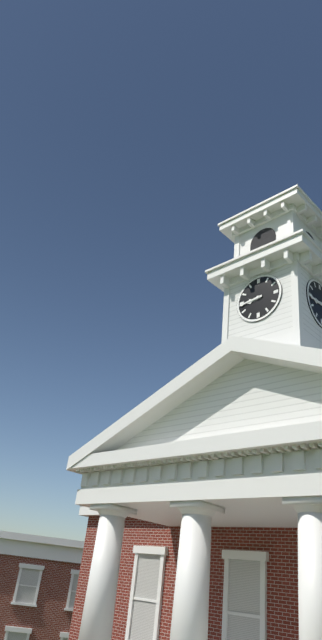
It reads **8:44**
